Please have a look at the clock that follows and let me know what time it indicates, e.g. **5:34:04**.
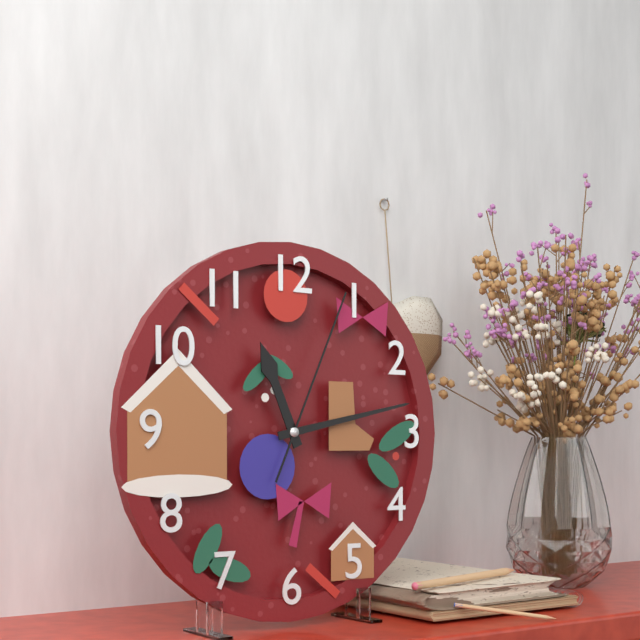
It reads **11:13:04**
